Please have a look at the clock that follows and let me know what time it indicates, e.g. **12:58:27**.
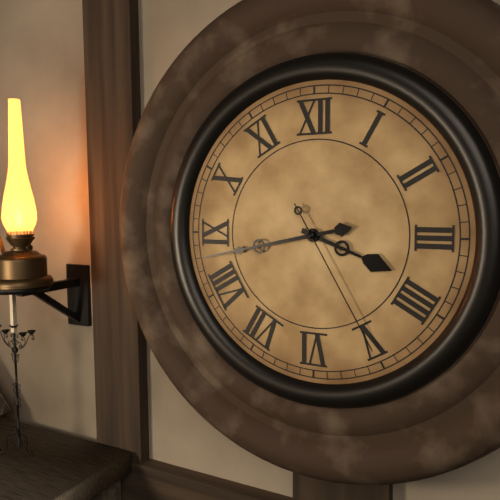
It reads **3:43:25**
